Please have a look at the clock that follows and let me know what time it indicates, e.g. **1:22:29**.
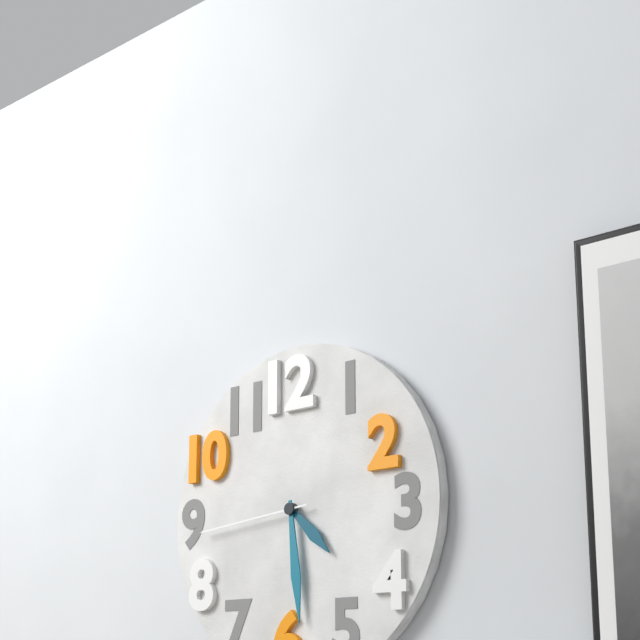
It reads **4:29:44**
